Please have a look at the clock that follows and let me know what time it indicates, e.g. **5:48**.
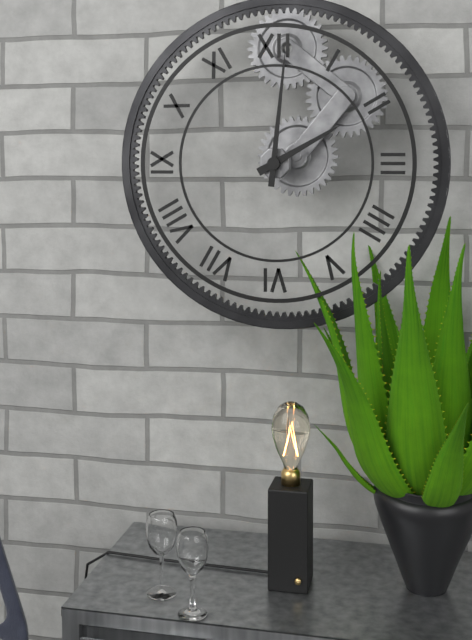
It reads **2:01**
